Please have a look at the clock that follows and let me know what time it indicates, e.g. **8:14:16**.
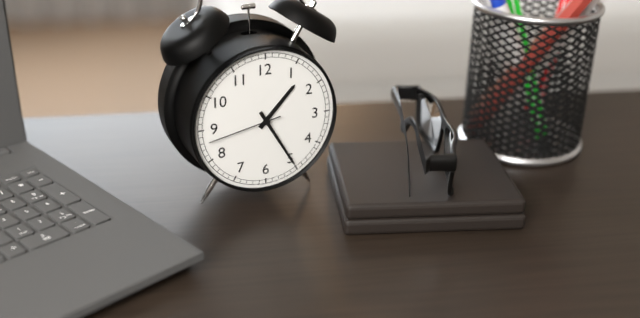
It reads **1:25:43**
